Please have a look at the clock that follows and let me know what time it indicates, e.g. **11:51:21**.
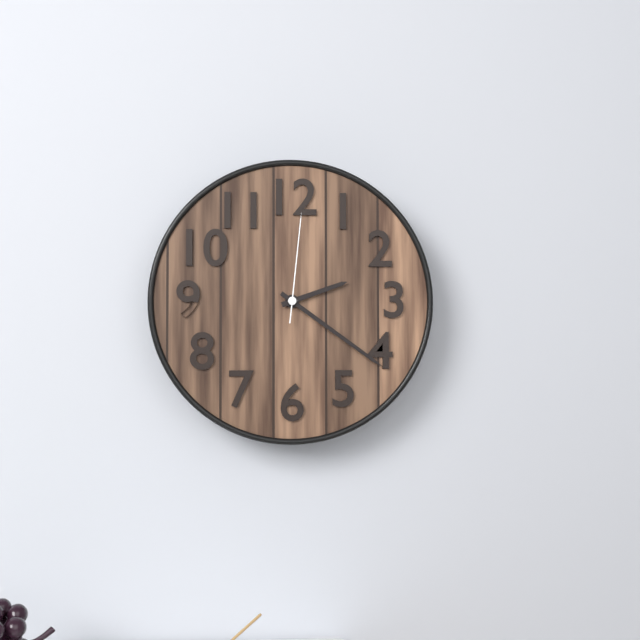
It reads **2:21:01**
